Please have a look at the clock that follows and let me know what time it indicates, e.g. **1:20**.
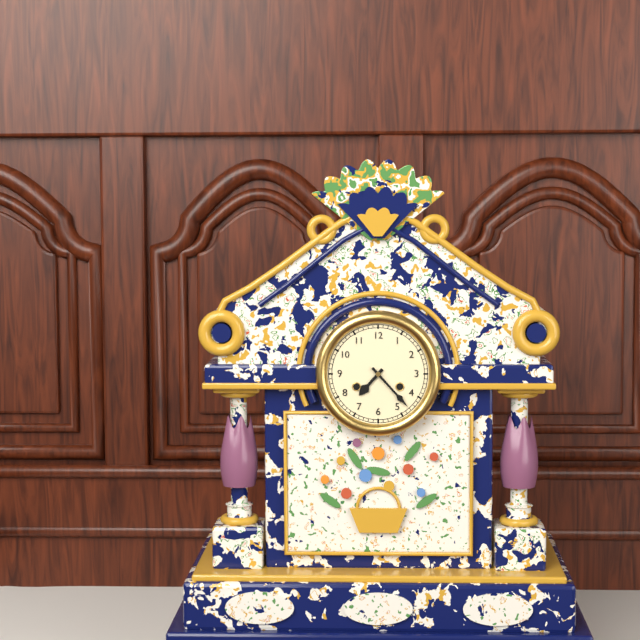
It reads **7:23**
